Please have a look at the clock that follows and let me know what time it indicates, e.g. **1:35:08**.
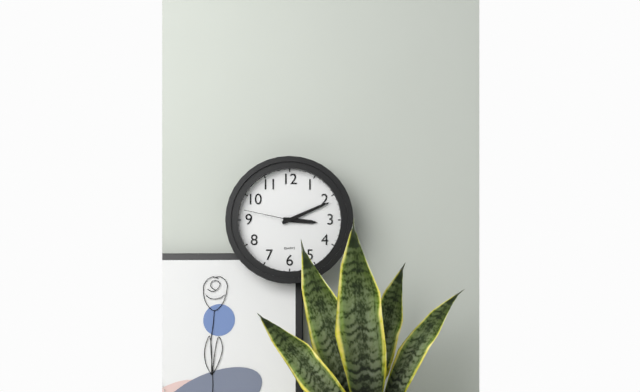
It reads **3:11:47**
